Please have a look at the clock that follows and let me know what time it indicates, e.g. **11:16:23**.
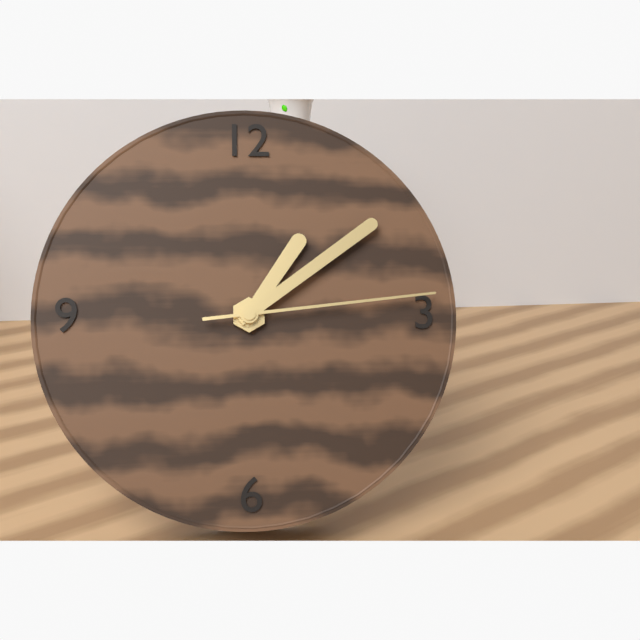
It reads **1:09:14**
